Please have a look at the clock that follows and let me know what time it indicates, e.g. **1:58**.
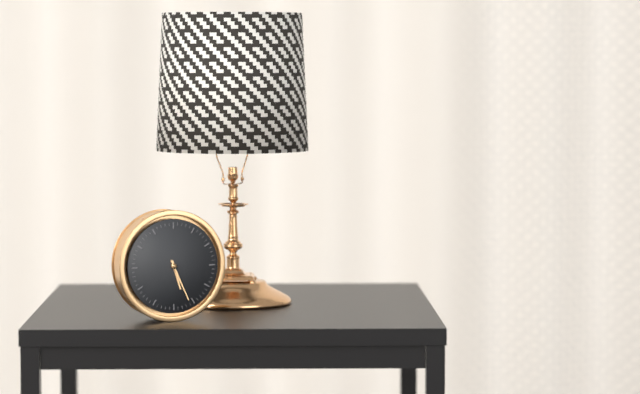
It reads **5:26**
